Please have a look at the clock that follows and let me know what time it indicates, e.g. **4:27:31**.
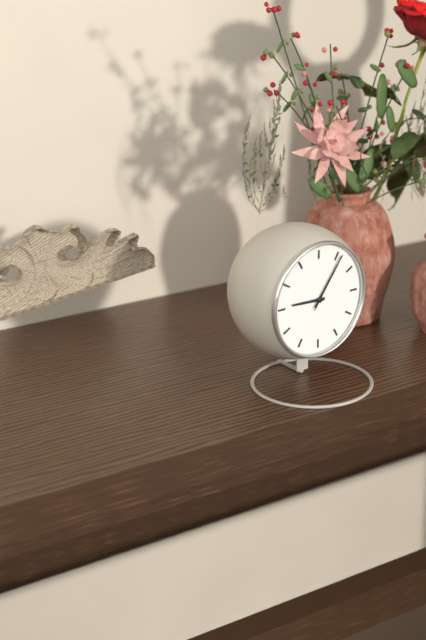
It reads **9:06:06**
